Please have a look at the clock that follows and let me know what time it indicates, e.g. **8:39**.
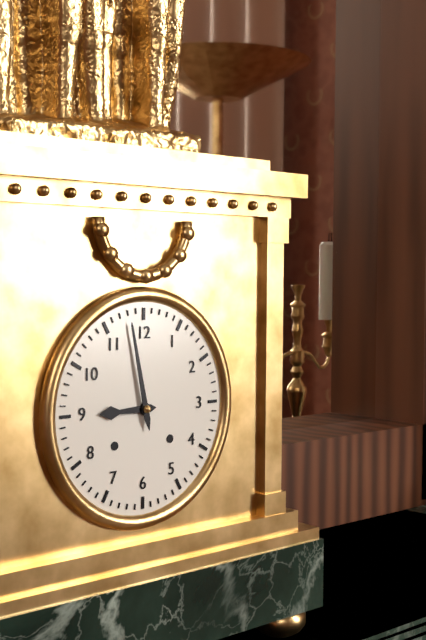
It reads **8:58**
